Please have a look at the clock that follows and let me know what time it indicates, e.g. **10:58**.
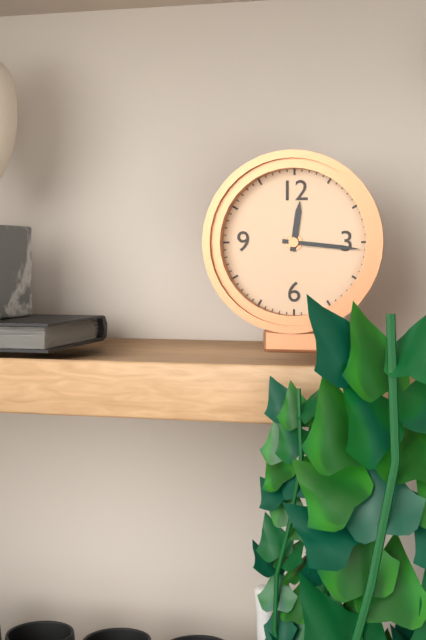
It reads **12:16**
